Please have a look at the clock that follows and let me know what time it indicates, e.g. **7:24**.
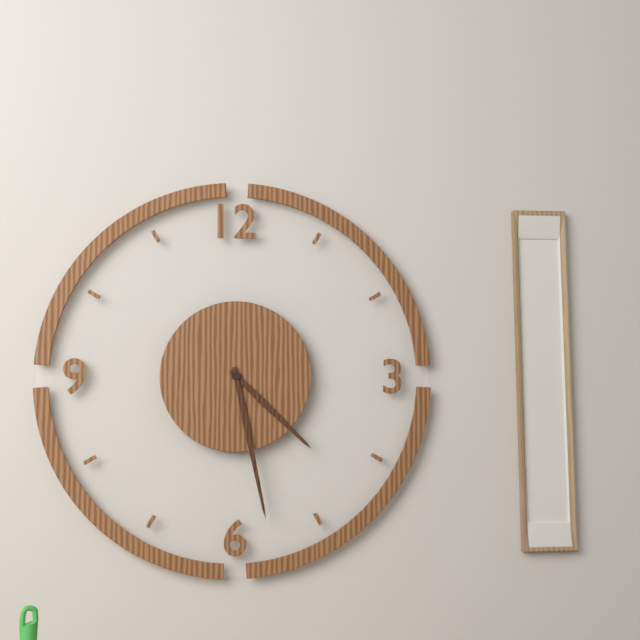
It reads **4:28**
